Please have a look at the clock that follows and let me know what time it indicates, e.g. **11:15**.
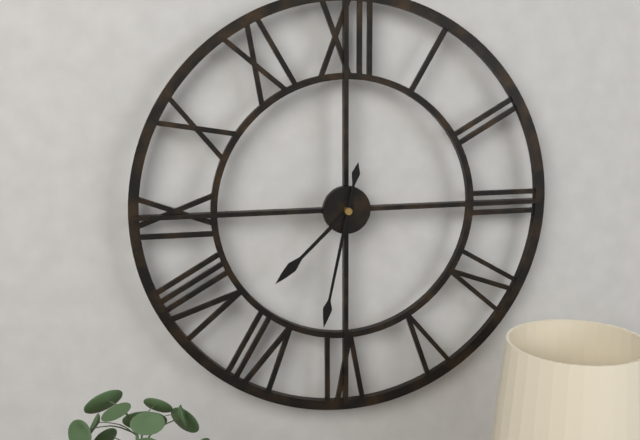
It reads **7:32**
